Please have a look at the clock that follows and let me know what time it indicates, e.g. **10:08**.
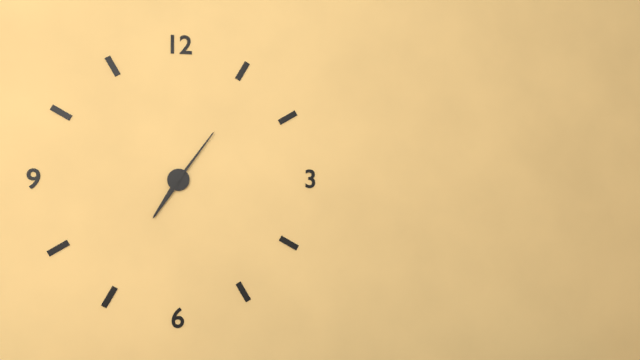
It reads **7:06**
